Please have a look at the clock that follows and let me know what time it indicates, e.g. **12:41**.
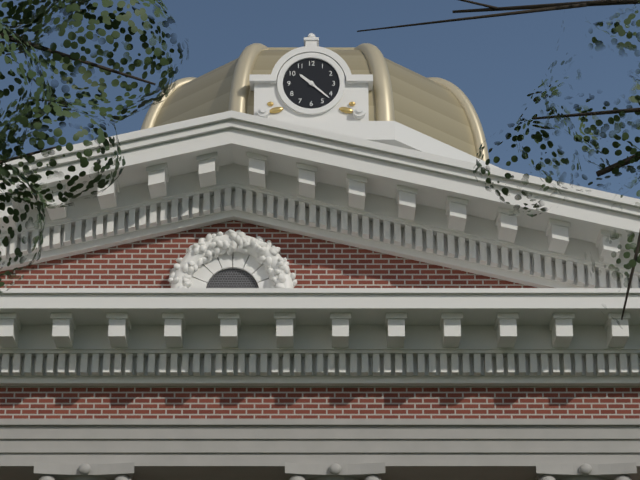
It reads **10:22**
